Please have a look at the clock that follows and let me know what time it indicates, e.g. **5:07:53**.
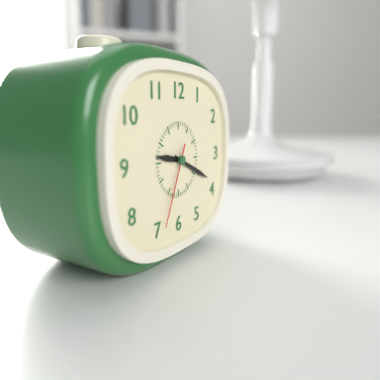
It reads **9:19:34**
